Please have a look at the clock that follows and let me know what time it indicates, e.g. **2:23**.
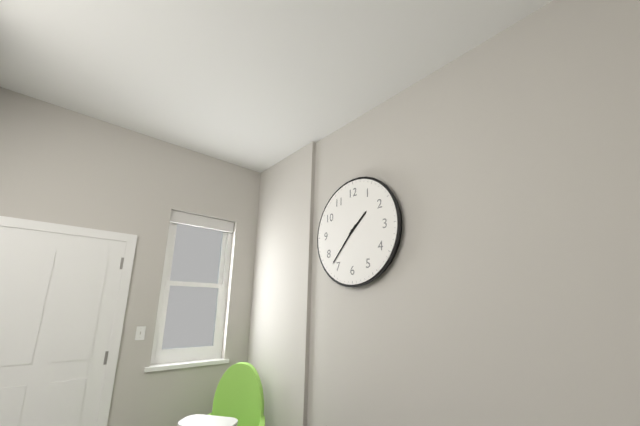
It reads **1:37**
